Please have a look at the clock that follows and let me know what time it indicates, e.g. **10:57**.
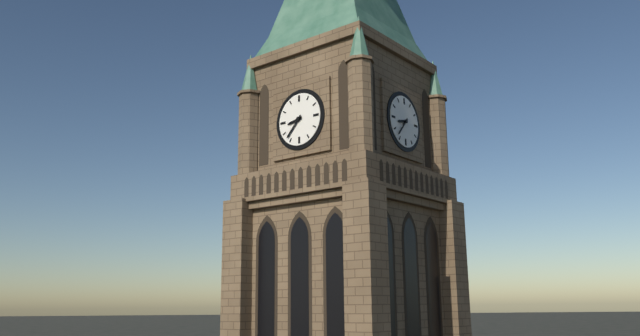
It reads **8:37**
